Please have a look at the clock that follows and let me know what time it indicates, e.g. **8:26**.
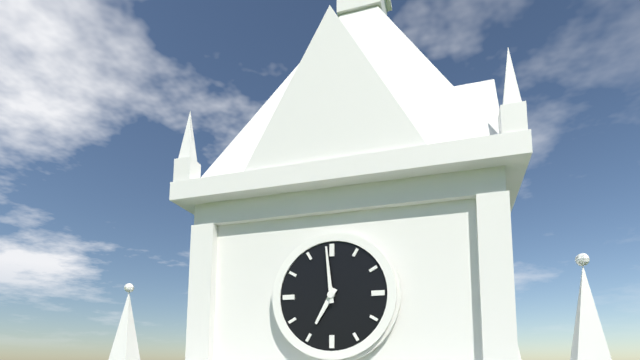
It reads **6:59**
